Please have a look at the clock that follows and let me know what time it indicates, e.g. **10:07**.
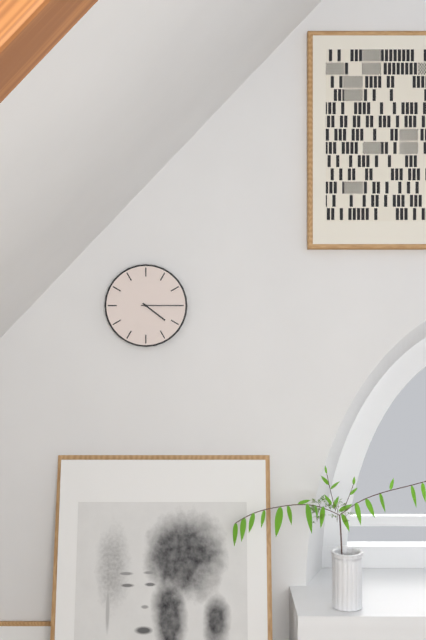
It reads **4:15**
